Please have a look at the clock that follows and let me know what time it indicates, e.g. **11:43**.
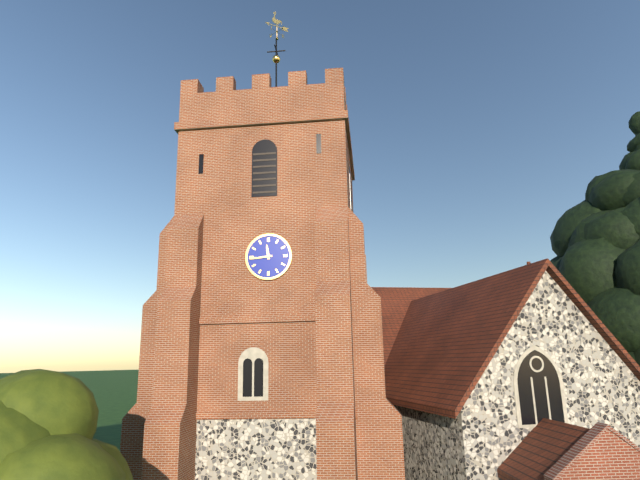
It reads **11:44**
